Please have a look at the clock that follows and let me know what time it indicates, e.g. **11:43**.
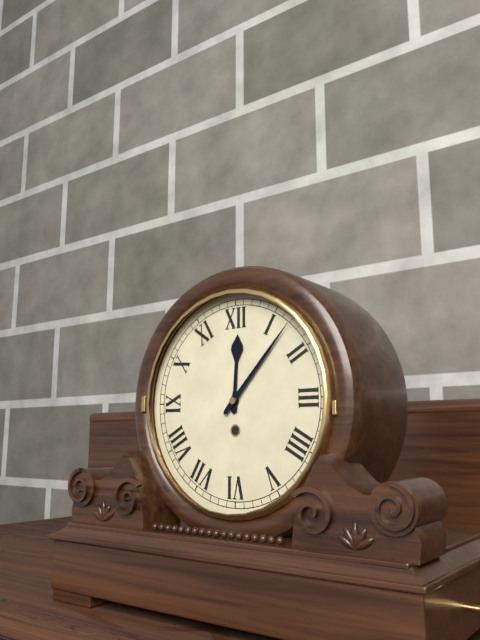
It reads **12:07**
